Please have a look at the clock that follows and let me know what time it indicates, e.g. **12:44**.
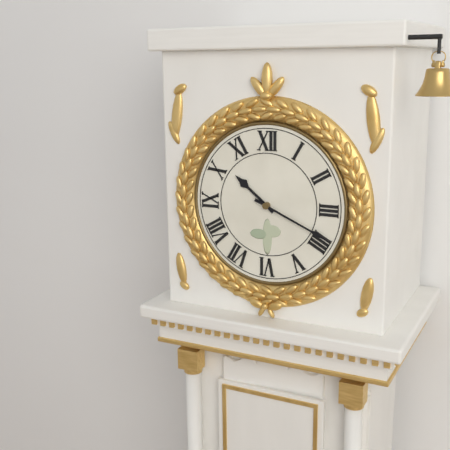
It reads **10:19**
